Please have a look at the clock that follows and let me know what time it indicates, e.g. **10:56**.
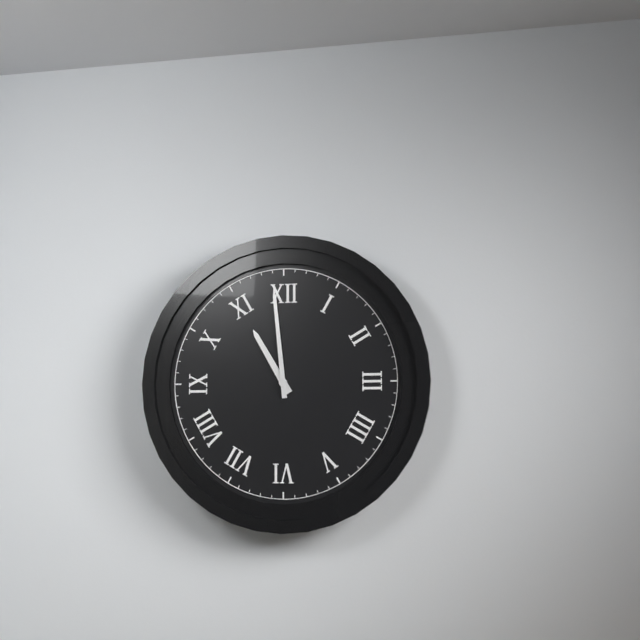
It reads **10:59**
